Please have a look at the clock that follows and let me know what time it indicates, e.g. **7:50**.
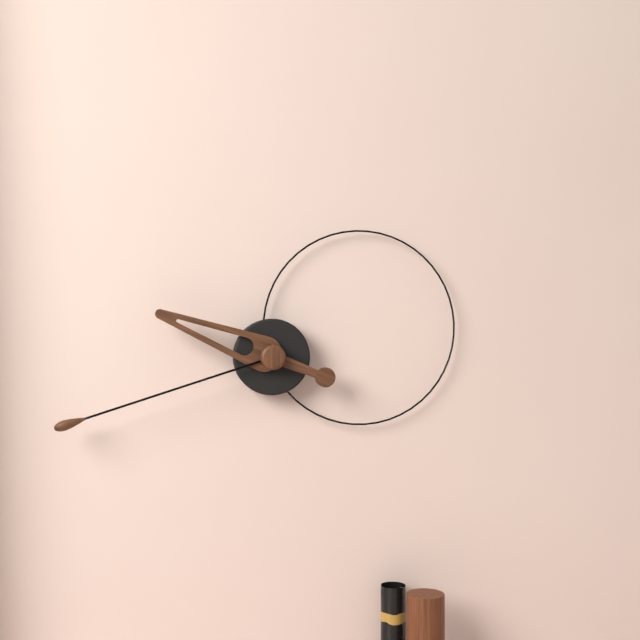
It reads **9:42**
